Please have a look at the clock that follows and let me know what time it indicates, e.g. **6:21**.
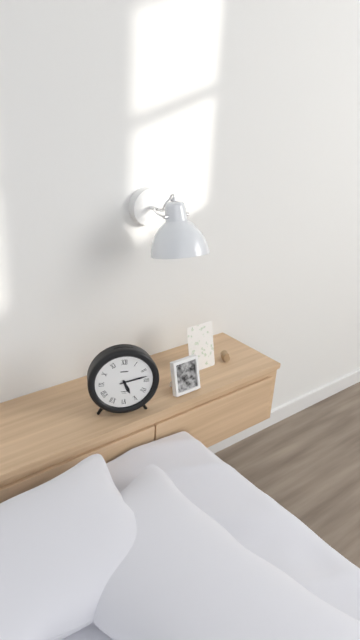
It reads **5:13**
